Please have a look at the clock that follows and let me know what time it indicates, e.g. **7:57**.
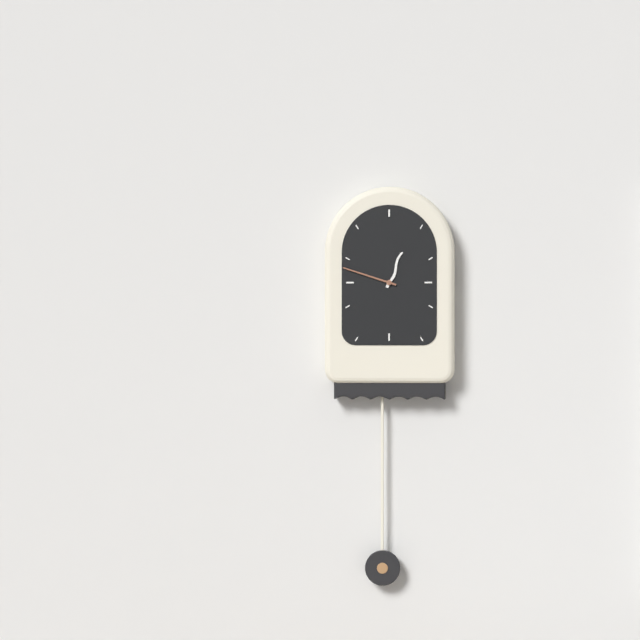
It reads **12:48**
